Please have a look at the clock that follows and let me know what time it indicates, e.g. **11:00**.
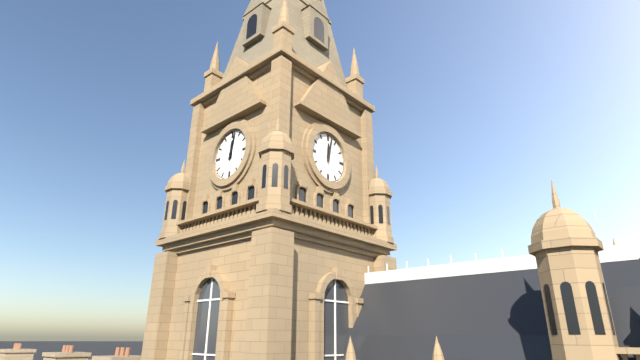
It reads **12:02**
